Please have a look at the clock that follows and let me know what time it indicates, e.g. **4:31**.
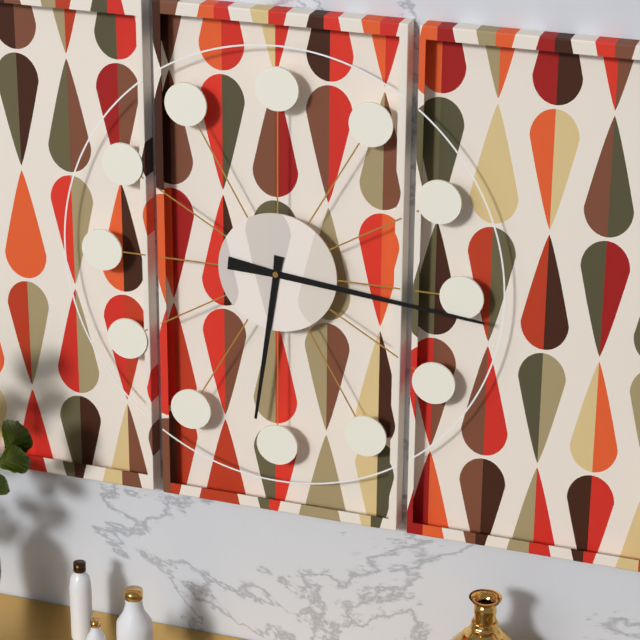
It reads **6:16**
